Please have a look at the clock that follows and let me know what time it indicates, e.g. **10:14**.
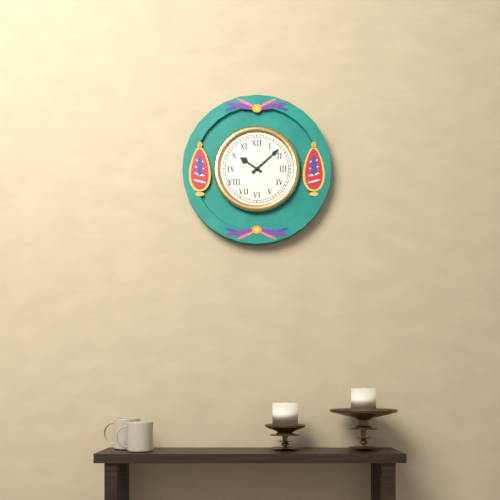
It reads **10:08**
